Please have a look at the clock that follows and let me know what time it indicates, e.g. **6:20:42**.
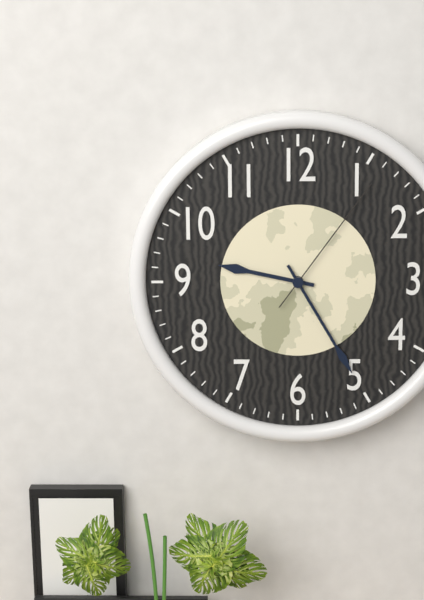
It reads **9:25:06**
